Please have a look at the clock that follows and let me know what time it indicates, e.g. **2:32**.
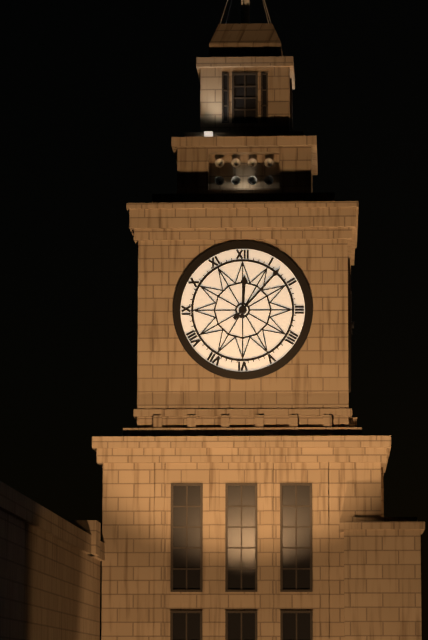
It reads **12:07**
